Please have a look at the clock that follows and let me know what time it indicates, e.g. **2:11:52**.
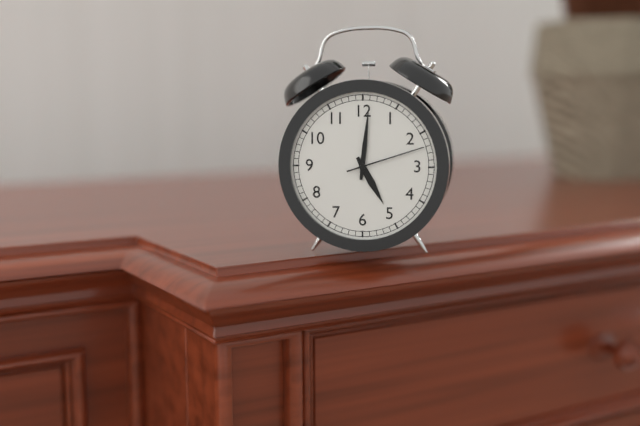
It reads **5:01:12**
